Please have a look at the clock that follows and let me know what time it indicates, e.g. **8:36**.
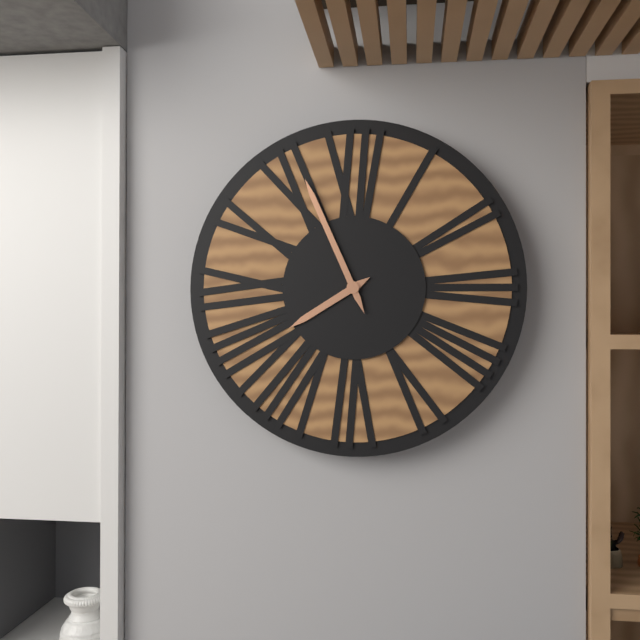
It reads **7:56**
